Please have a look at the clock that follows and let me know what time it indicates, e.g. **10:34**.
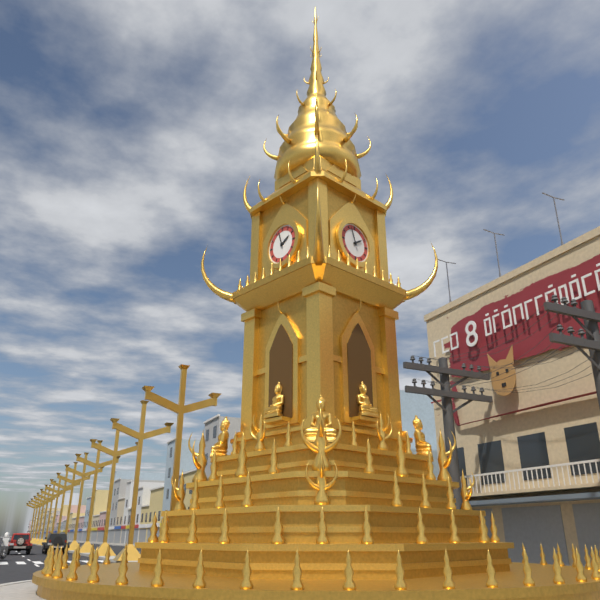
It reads **1:57**
